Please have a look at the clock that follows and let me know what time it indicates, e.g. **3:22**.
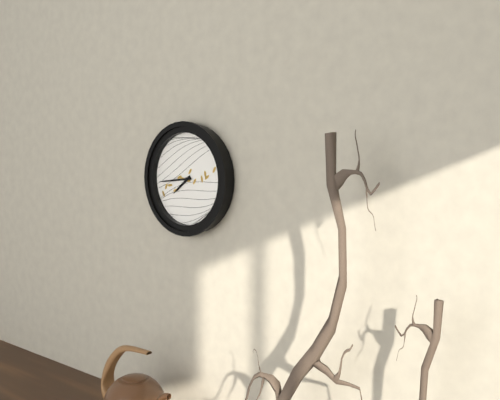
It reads **7:44**
